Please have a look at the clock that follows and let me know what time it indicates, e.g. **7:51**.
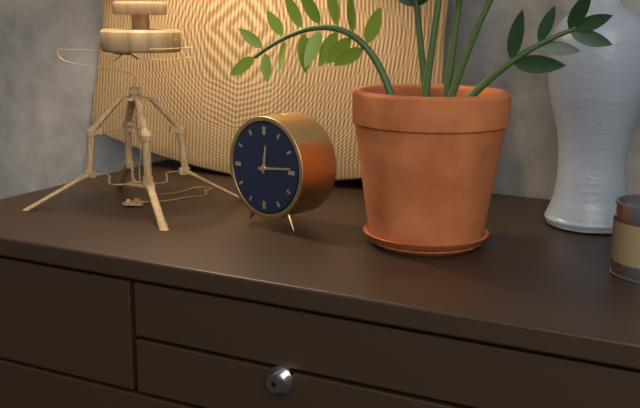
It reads **12:14**
